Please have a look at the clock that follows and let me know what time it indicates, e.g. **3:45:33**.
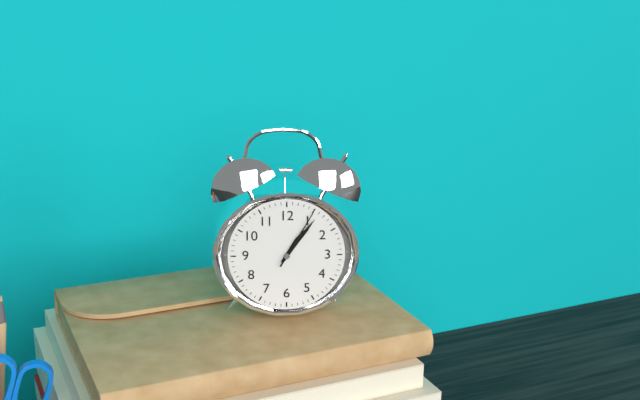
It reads **1:06:05**
